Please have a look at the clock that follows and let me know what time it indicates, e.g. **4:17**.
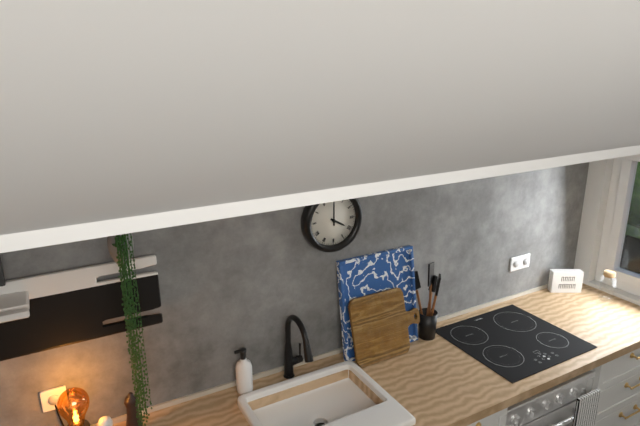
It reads **4:00**
